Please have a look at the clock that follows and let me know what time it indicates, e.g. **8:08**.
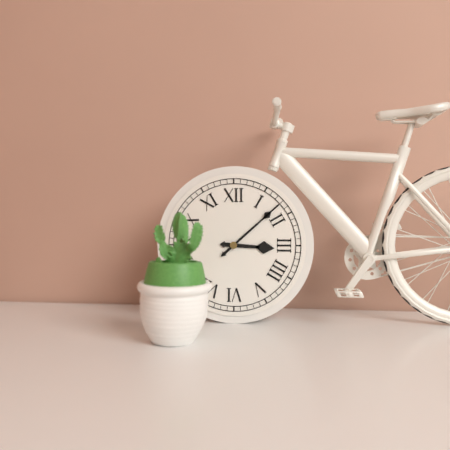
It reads **3:08**
